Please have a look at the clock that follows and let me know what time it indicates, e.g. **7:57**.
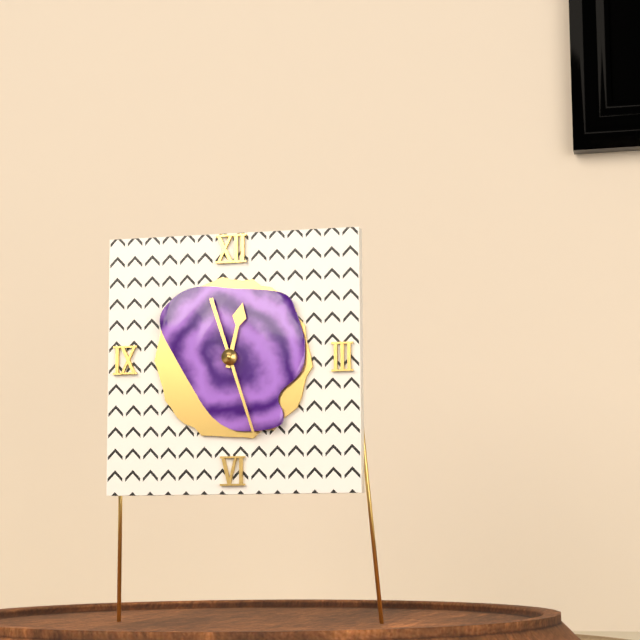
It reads **12:27**
